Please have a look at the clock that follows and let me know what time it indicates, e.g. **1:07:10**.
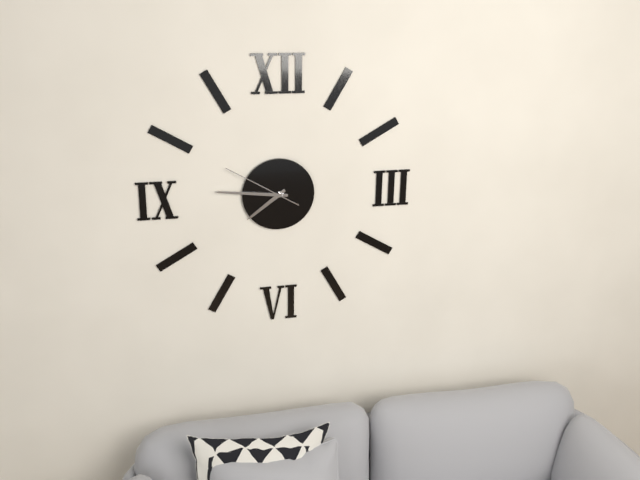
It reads **7:46:50**
